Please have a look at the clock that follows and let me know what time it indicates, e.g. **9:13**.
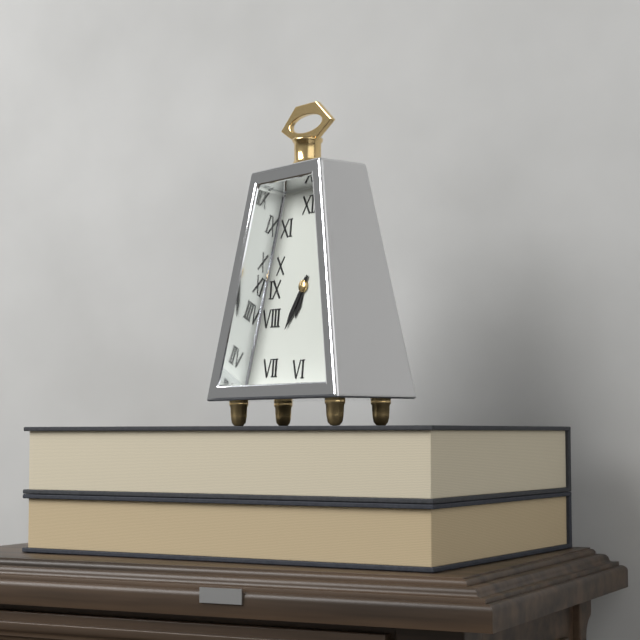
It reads **6:35**
